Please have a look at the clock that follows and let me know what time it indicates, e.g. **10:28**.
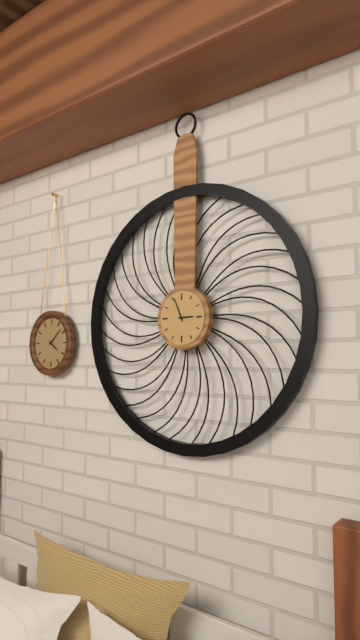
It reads **2:56**
